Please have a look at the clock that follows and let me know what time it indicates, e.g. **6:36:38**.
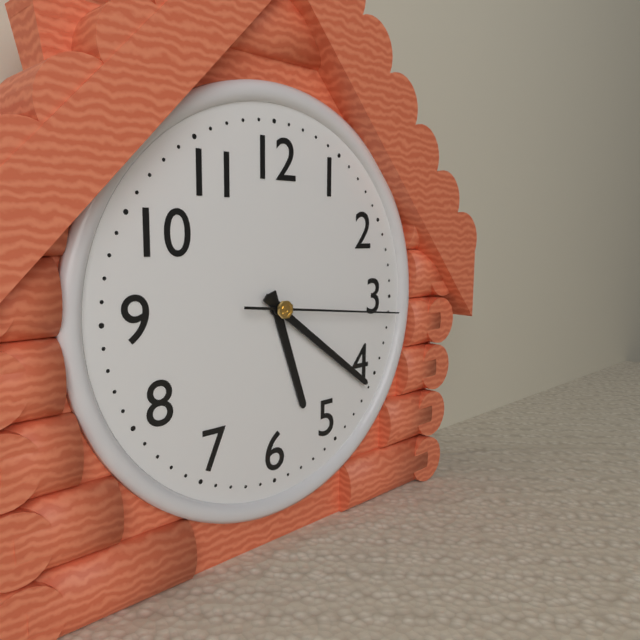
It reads **5:21:16**
